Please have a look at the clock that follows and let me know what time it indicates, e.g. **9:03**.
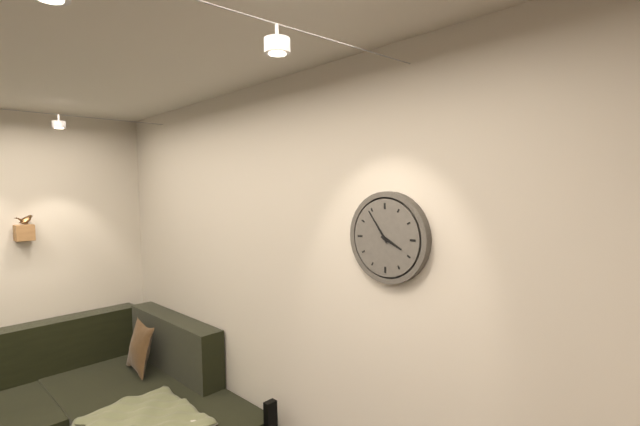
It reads **3:54**
